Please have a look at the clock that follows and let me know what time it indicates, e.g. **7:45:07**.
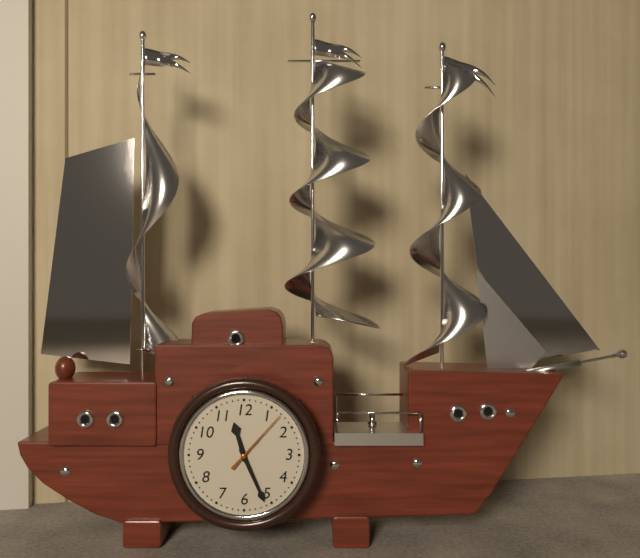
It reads **11:26:07**
